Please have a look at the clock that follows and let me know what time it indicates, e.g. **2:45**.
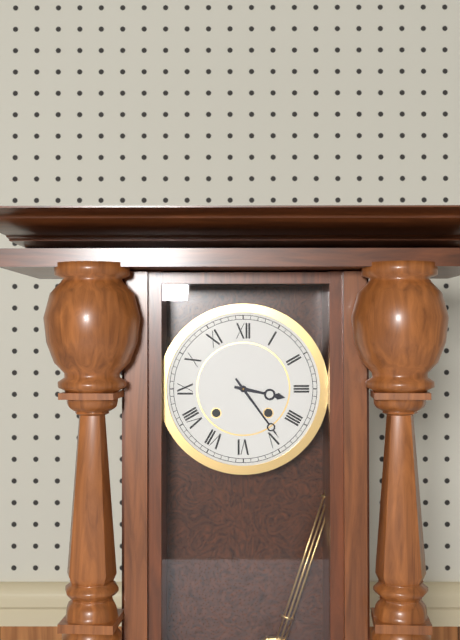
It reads **3:24**
